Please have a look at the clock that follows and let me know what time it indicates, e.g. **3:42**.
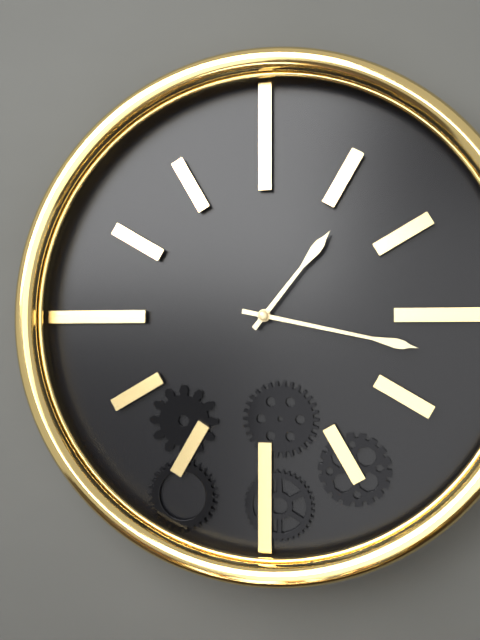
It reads **1:17**
